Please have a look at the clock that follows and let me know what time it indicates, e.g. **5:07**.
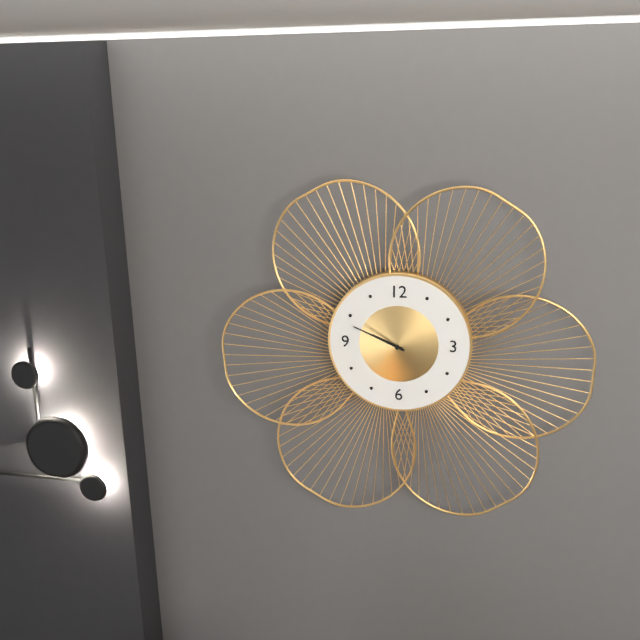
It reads **9:49**
